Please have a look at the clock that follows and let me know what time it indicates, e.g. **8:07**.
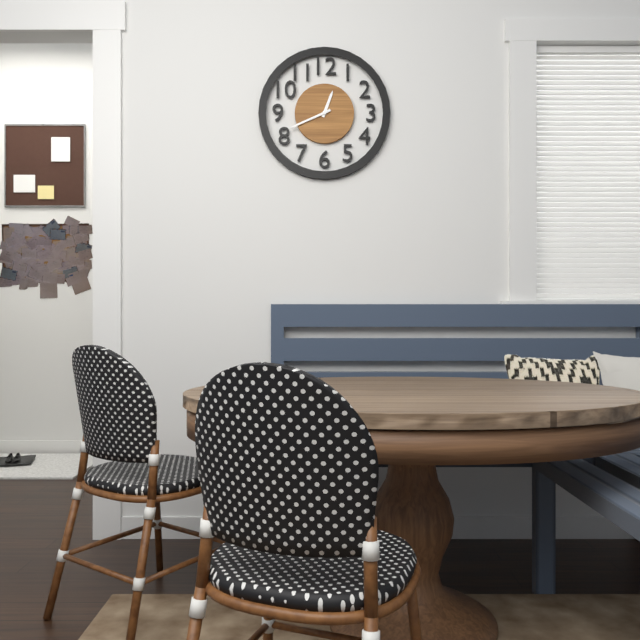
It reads **12:41**
